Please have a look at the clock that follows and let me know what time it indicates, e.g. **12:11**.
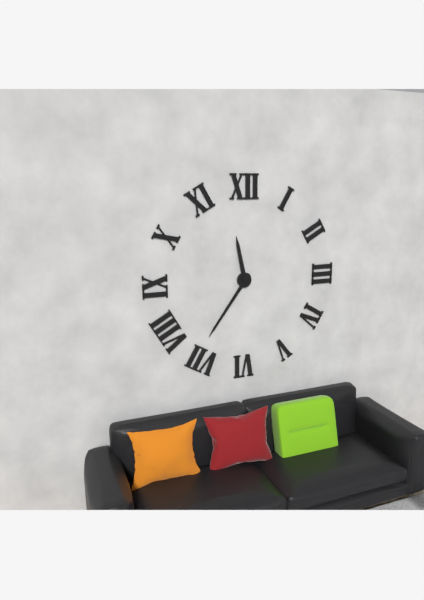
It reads **11:36**
